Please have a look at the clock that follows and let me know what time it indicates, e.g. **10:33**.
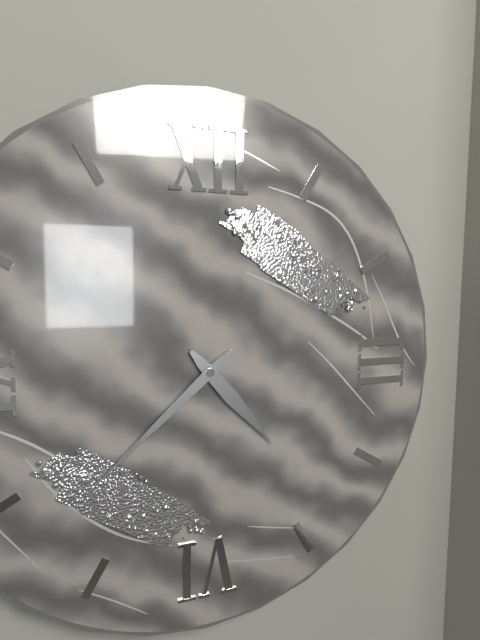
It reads **4:38**
